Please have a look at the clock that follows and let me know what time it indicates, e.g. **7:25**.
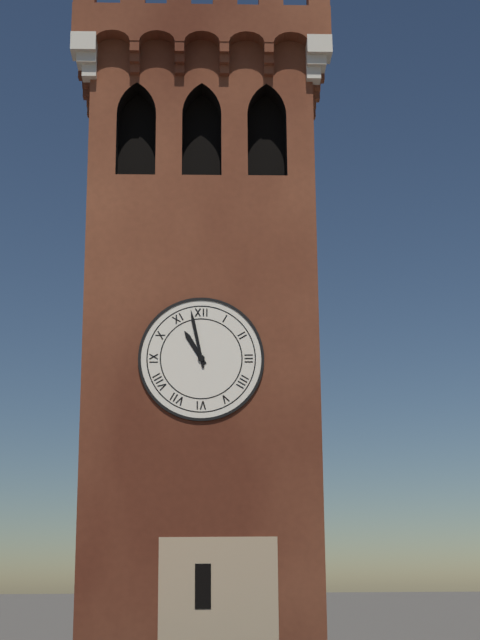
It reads **10:58**
